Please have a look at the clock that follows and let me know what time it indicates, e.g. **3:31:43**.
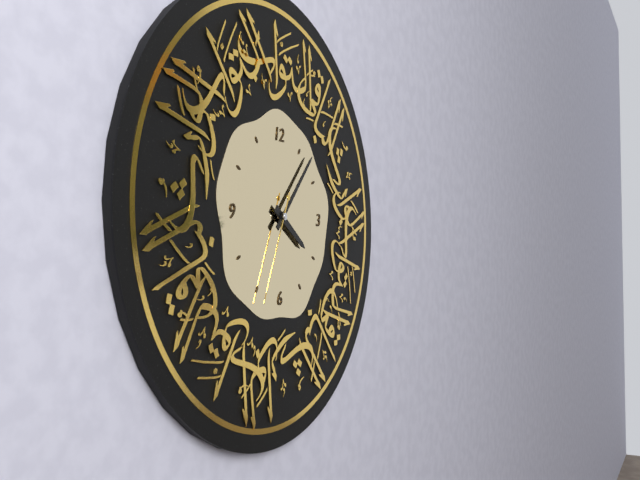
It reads **4:07:34**
